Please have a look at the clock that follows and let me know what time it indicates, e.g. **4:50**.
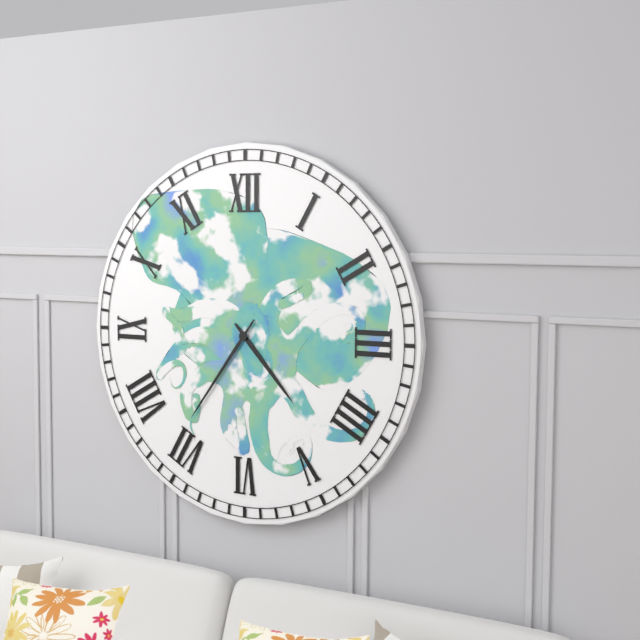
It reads **4:36**
